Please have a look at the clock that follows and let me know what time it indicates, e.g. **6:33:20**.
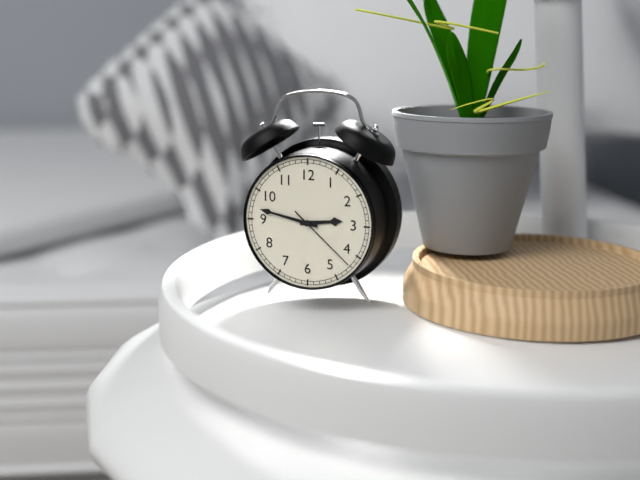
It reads **2:47:22**
